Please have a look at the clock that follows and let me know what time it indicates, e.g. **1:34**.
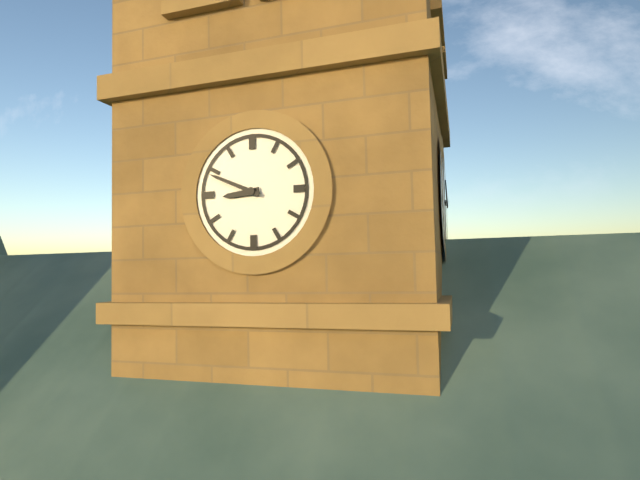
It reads **8:49**
